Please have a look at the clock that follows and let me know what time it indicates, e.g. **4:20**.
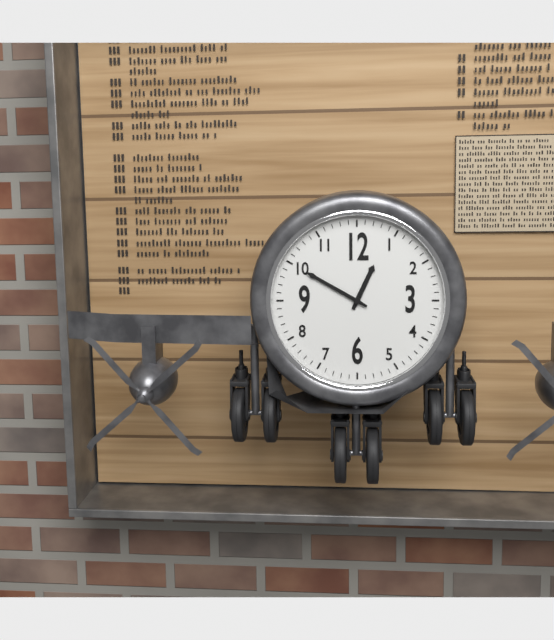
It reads **12:50**
